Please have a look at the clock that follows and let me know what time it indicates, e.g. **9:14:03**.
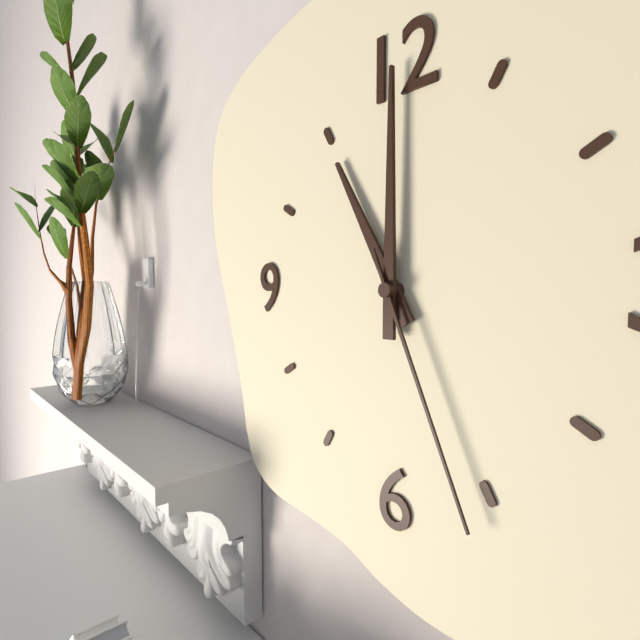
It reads **11:00:26**
